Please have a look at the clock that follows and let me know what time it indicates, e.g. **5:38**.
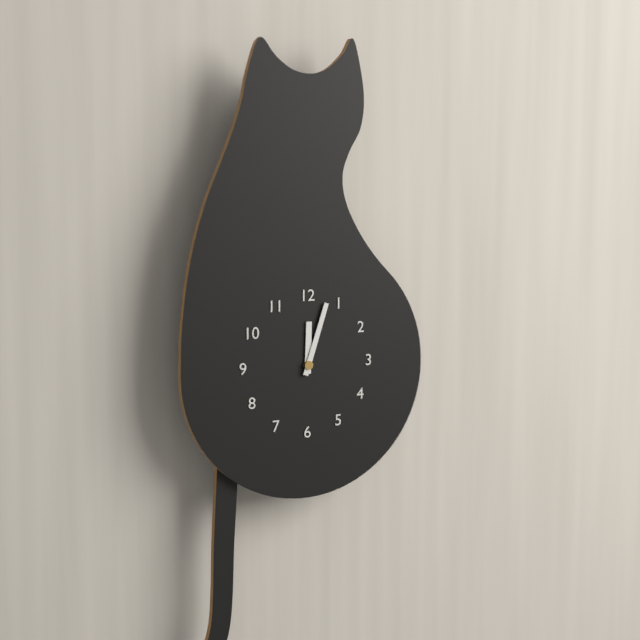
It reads **12:03**
